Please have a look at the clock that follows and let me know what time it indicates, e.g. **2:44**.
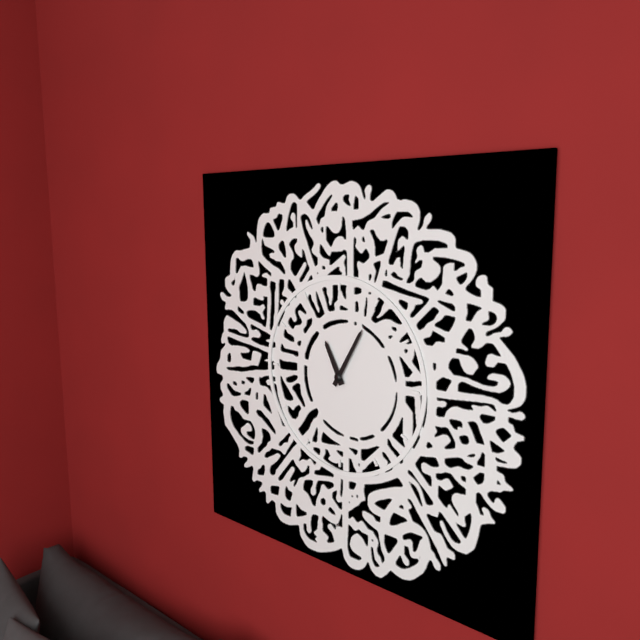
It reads **11:05**
